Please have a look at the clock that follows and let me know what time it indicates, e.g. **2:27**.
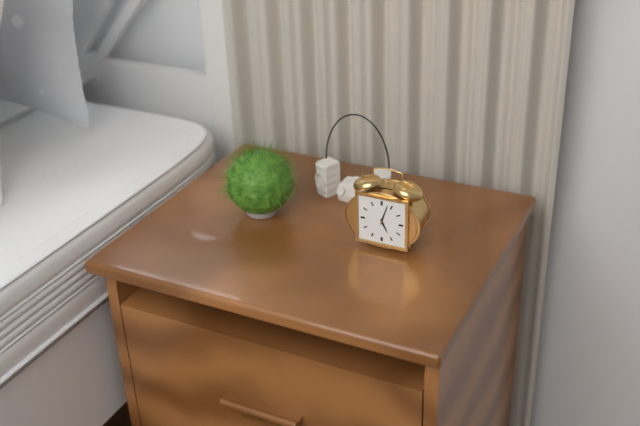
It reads **5:03**
